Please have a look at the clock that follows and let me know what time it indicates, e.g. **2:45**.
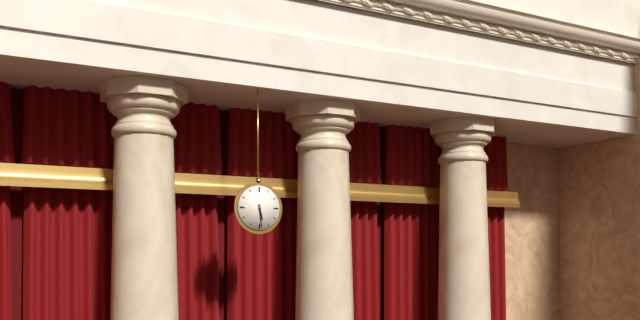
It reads **5:29**
